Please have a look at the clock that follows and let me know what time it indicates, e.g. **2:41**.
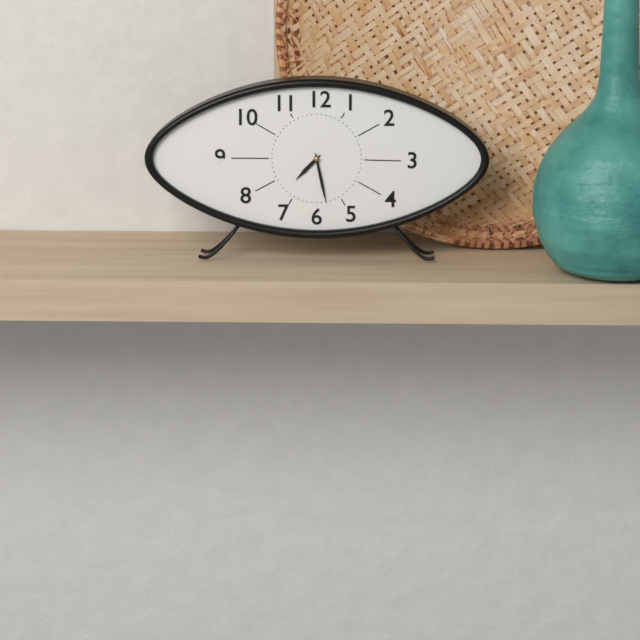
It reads **7:28**
